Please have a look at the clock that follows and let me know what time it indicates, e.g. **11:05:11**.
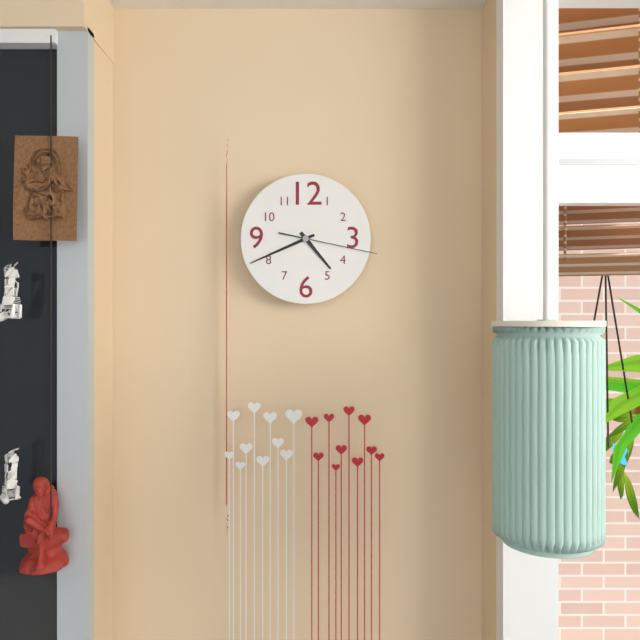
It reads **4:41:17**
